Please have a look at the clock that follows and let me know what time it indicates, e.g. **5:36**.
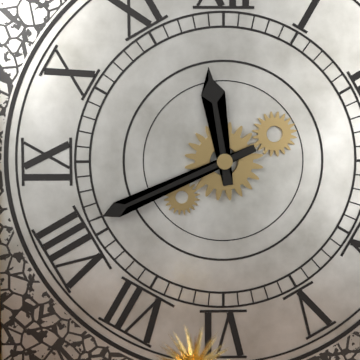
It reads **11:41**
